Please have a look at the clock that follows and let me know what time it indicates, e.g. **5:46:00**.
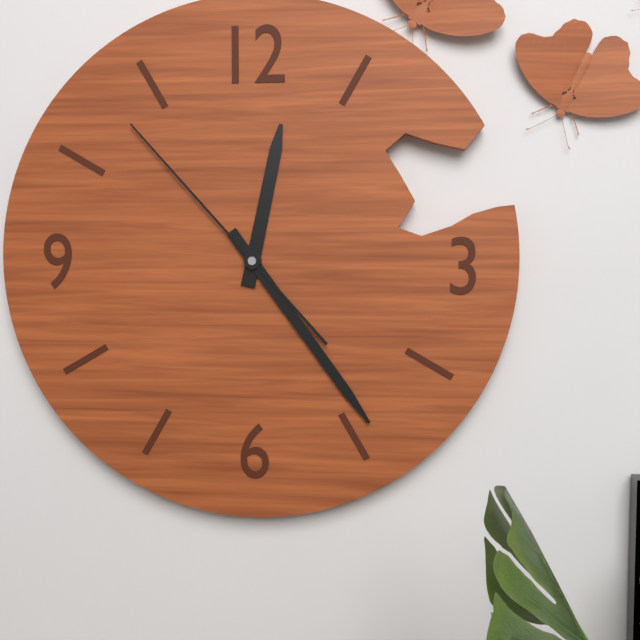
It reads **12:24:53**
